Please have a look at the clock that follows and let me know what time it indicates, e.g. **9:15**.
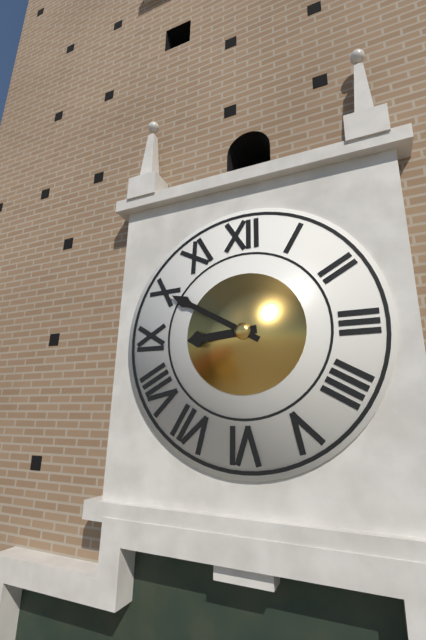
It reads **8:50**
